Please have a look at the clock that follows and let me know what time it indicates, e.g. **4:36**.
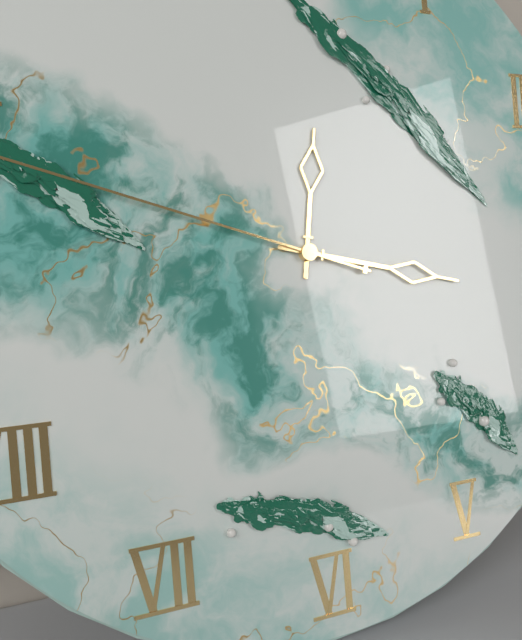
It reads **12:17**
